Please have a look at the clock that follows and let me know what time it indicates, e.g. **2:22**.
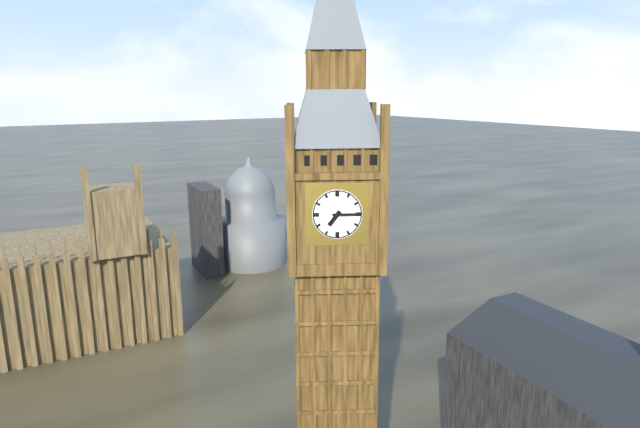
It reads **7:15**
